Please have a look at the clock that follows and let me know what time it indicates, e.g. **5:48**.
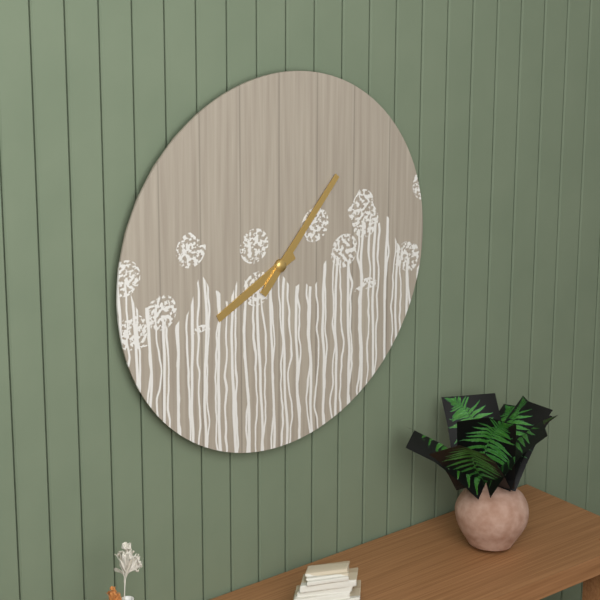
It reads **8:07**
